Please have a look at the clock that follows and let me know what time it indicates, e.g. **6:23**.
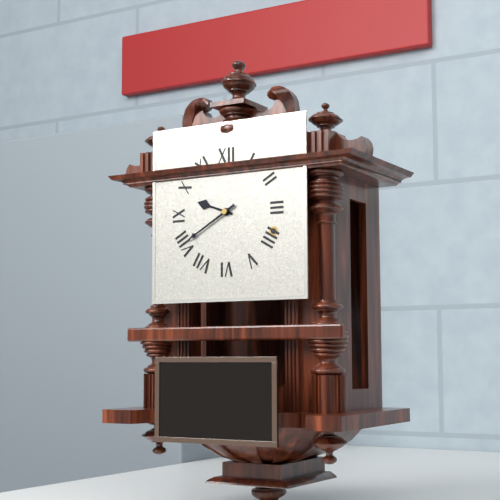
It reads **9:40**
